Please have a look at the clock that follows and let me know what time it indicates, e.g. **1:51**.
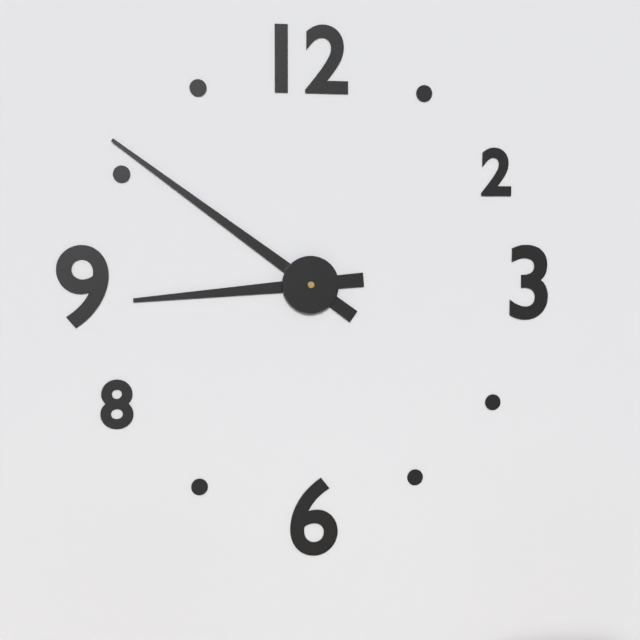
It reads **8:51**
